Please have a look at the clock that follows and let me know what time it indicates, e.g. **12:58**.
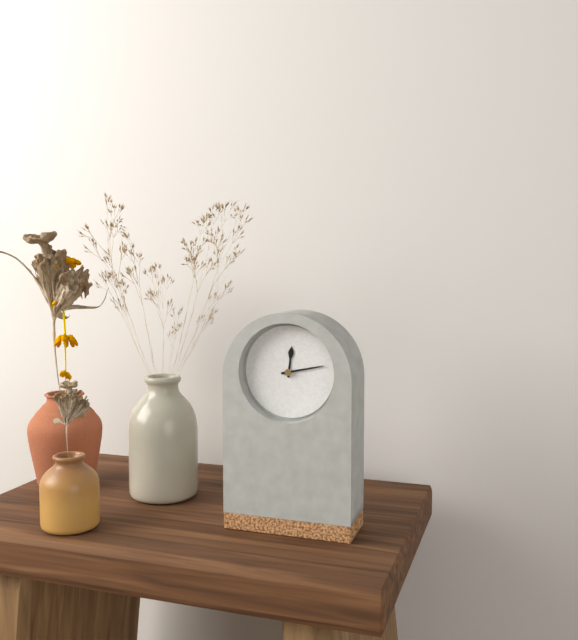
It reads **12:13**
